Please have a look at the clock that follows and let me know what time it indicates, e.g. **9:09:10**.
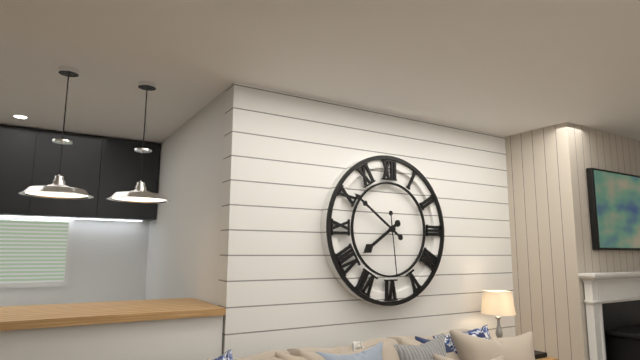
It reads **7:51:29**
